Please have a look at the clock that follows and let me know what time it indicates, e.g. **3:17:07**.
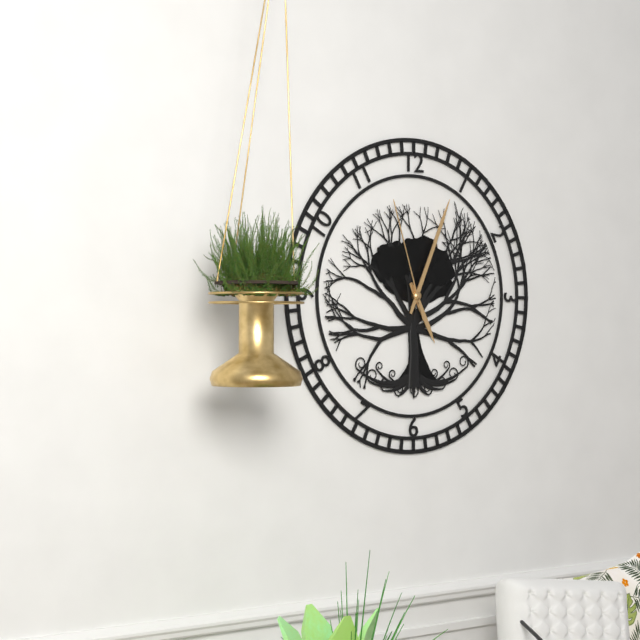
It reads **5:04:57**
